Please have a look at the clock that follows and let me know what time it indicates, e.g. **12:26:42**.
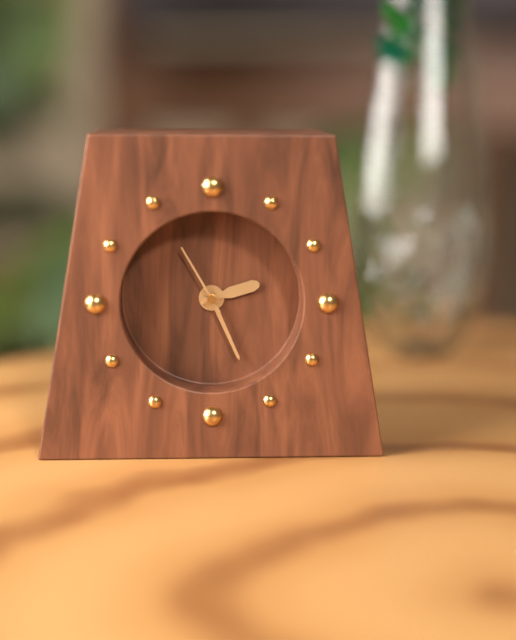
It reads **2:26:55**
